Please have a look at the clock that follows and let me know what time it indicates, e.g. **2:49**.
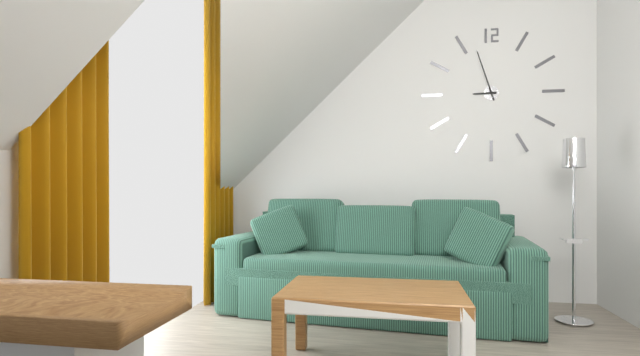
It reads **8:57**
